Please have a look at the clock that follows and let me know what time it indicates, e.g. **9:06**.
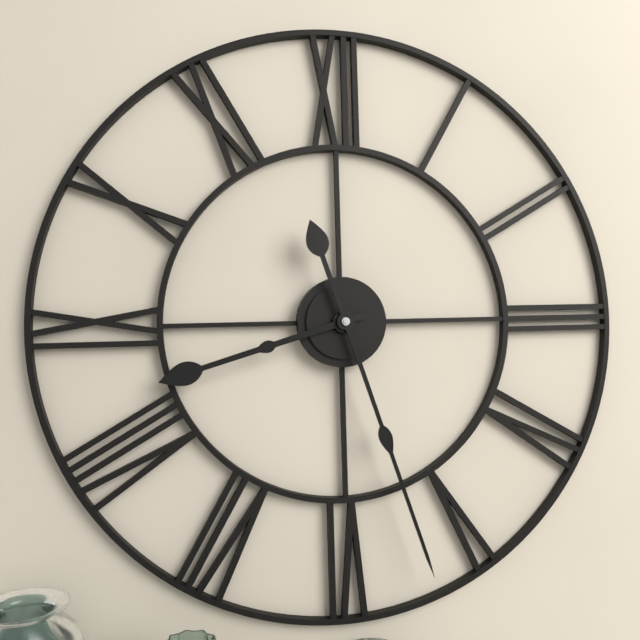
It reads **8:27**
